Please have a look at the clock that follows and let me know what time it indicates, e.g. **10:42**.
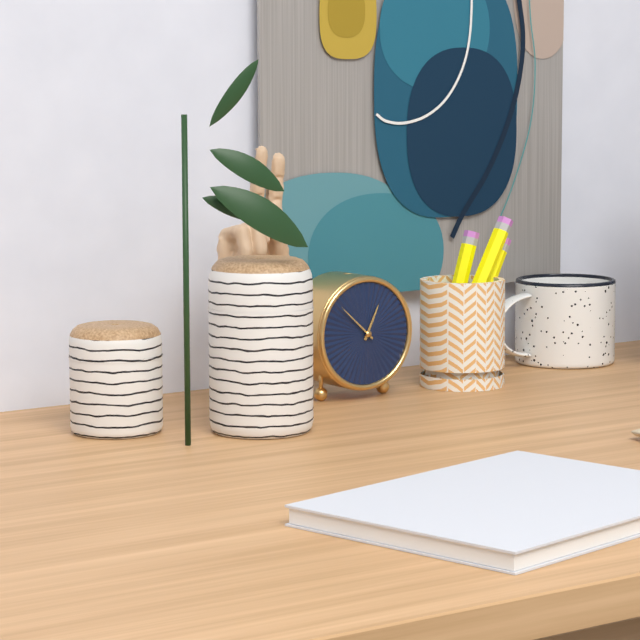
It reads **12:52**
